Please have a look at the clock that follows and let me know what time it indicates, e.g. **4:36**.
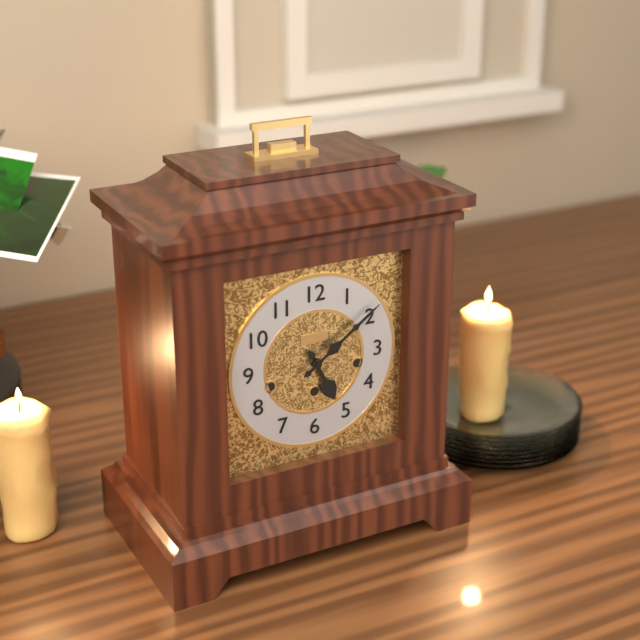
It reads **5:09**
